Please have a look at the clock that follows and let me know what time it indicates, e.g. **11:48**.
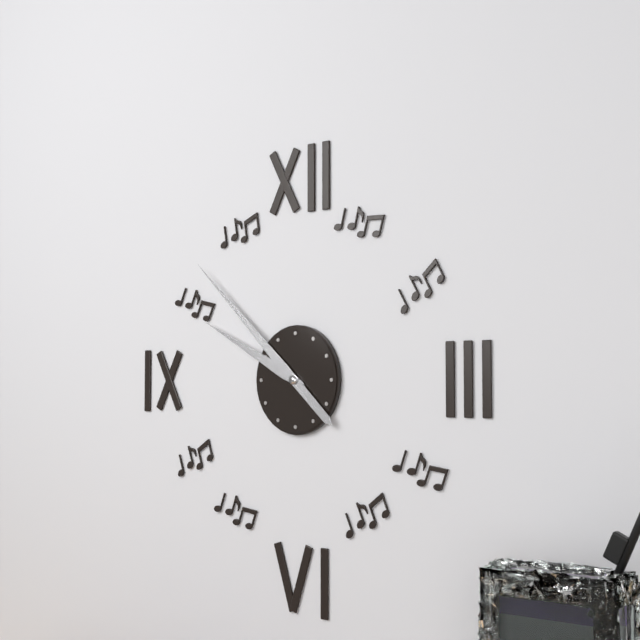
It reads **9:52**
